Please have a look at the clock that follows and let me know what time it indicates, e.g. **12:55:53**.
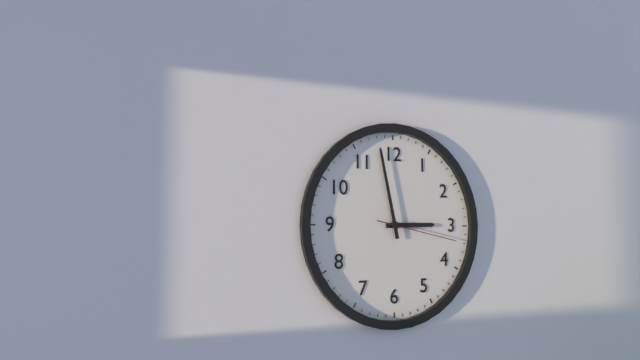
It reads **2:58:17**
